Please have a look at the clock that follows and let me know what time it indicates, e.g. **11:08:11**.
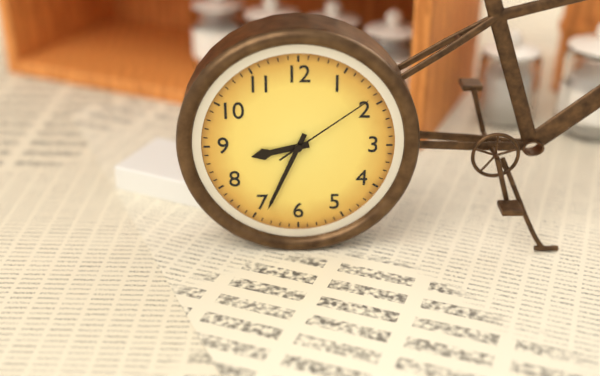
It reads **8:34:09**
